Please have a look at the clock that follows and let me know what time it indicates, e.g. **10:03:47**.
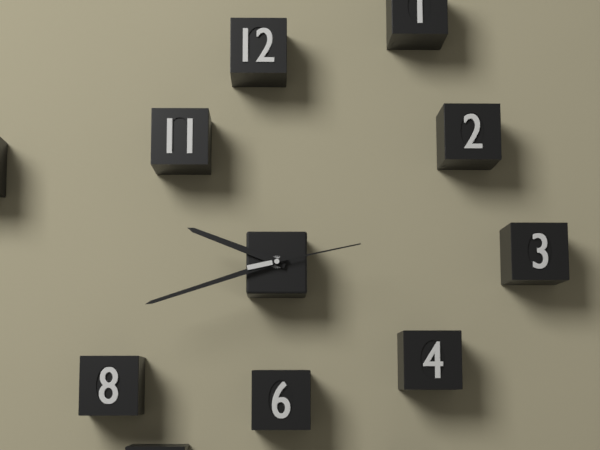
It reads **9:42:13**
